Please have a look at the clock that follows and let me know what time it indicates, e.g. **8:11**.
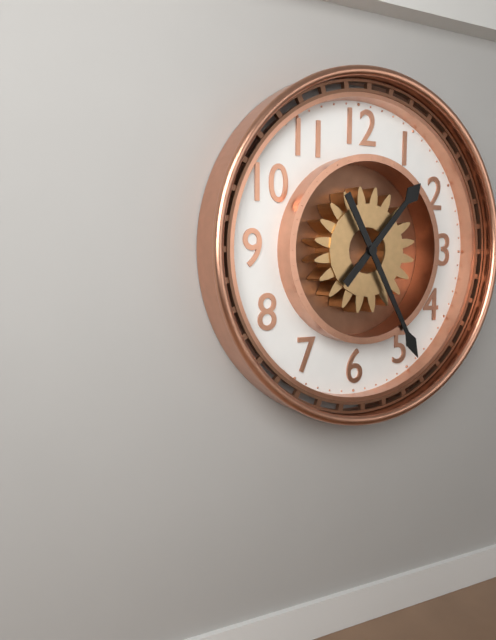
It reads **1:25**
